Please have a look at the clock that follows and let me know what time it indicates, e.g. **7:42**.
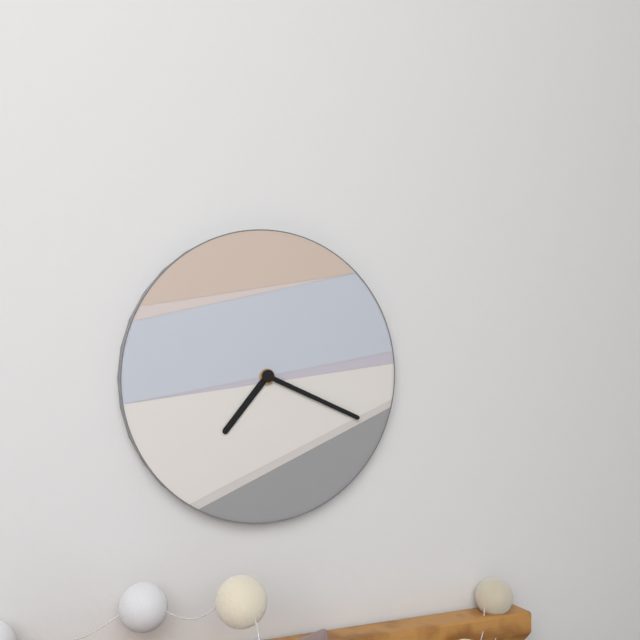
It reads **7:19**
